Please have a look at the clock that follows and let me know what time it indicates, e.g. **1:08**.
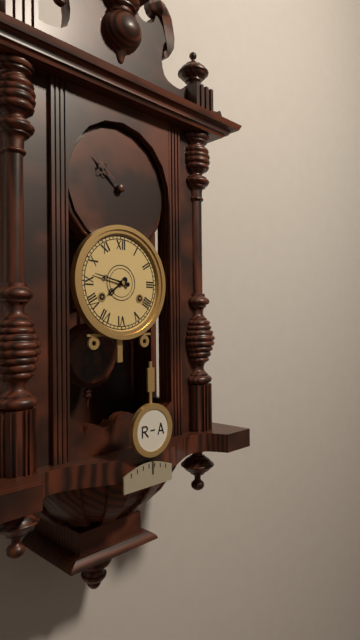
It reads **7:47**
